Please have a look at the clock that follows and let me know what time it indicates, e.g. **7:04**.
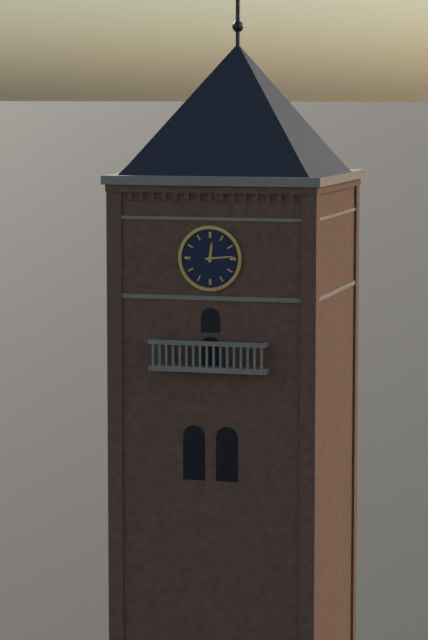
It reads **12:14**
